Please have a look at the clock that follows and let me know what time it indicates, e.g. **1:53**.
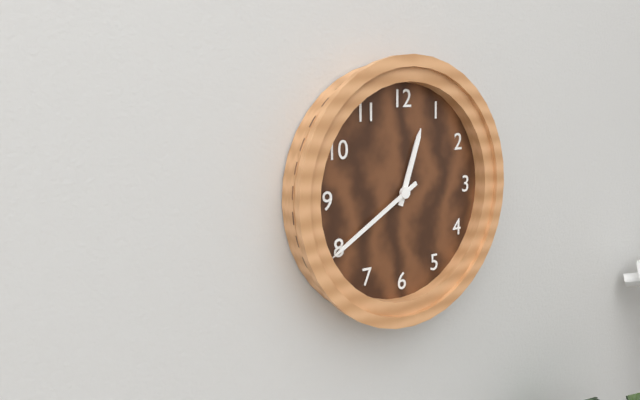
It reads **12:40**
